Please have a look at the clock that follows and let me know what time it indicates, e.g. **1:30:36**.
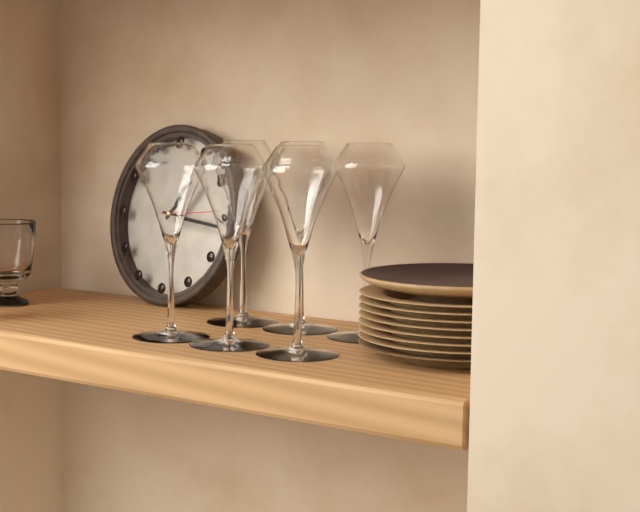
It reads **1:16:14**
